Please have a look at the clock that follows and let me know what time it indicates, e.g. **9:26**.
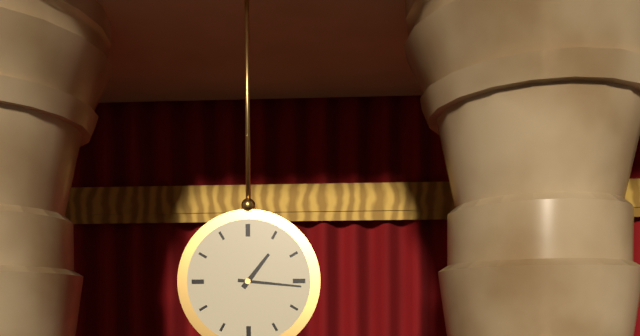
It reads **1:16**
